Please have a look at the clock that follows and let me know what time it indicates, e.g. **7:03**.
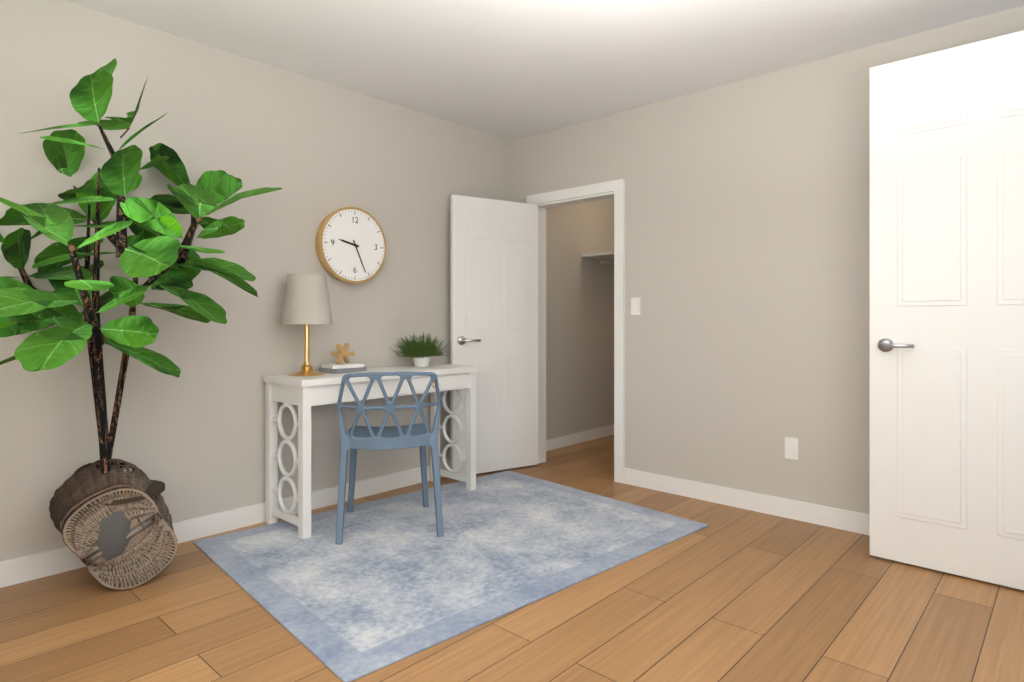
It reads **9:26**
